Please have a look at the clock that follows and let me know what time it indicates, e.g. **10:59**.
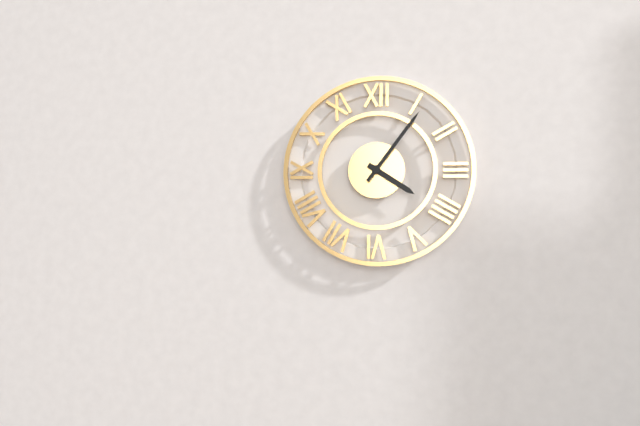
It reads **4:06**
